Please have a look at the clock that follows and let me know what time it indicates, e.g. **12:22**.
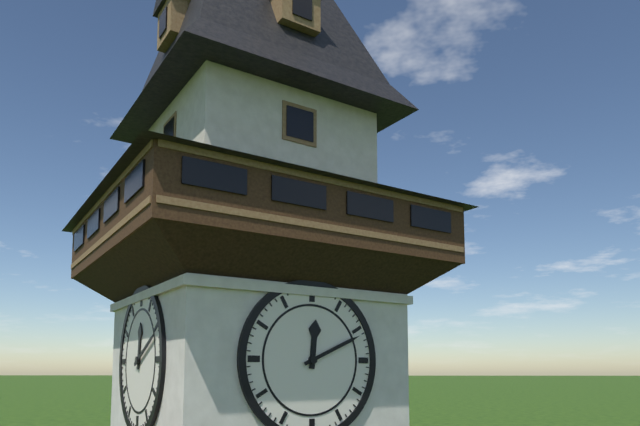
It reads **12:11**
